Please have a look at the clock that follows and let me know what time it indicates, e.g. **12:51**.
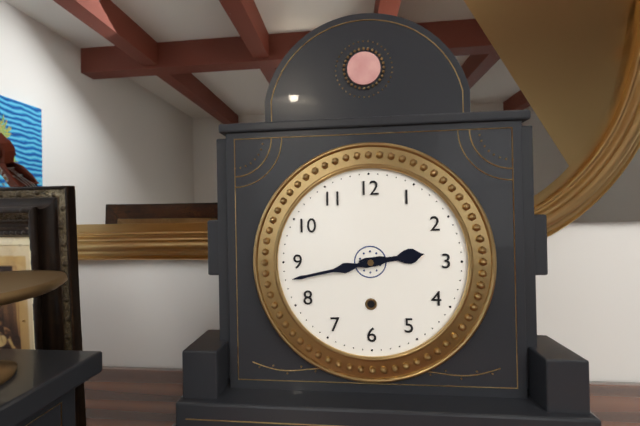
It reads **2:43**
